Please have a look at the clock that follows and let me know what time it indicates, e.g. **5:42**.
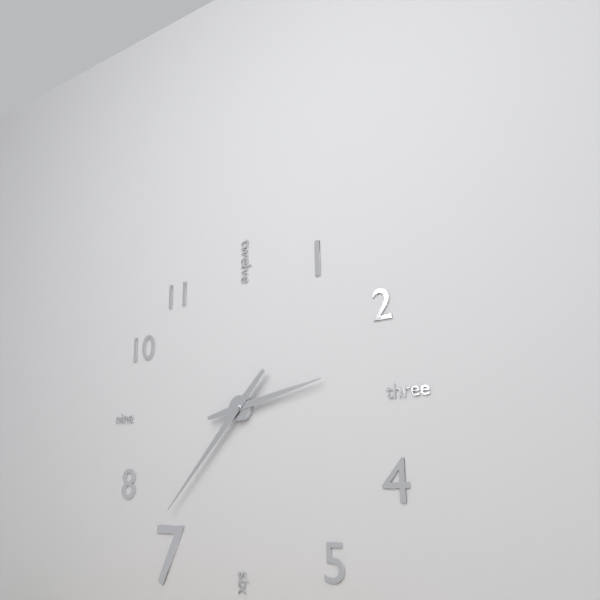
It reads **2:37**
